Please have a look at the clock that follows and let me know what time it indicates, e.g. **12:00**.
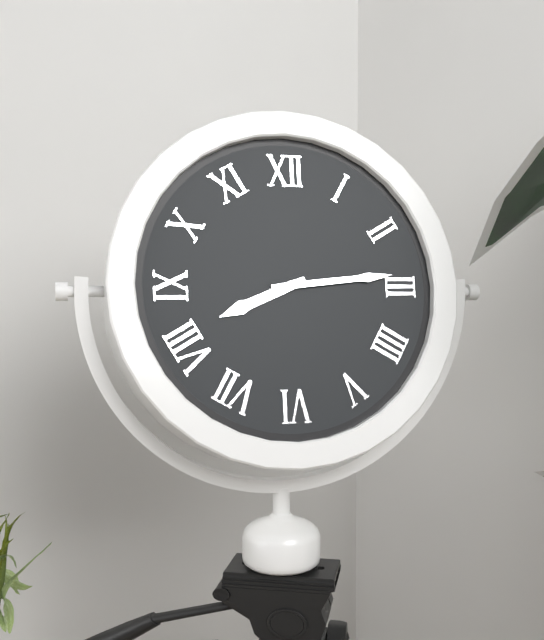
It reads **8:14**
